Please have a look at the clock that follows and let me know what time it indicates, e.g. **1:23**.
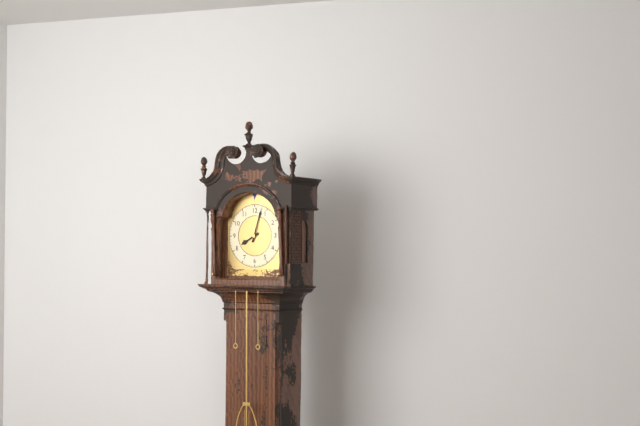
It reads **8:03**
